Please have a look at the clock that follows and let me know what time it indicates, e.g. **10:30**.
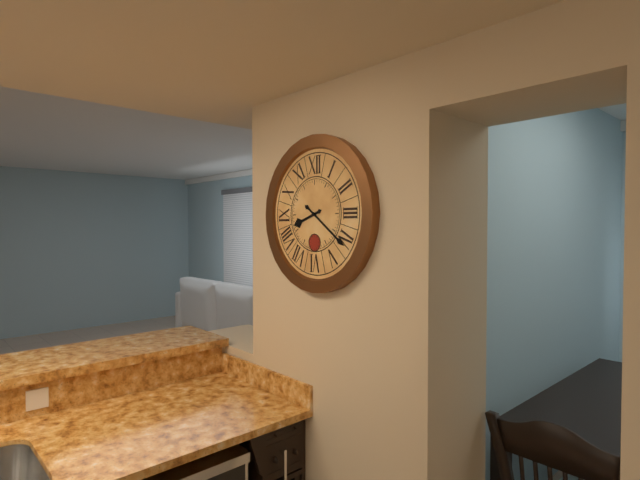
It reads **8:21**
